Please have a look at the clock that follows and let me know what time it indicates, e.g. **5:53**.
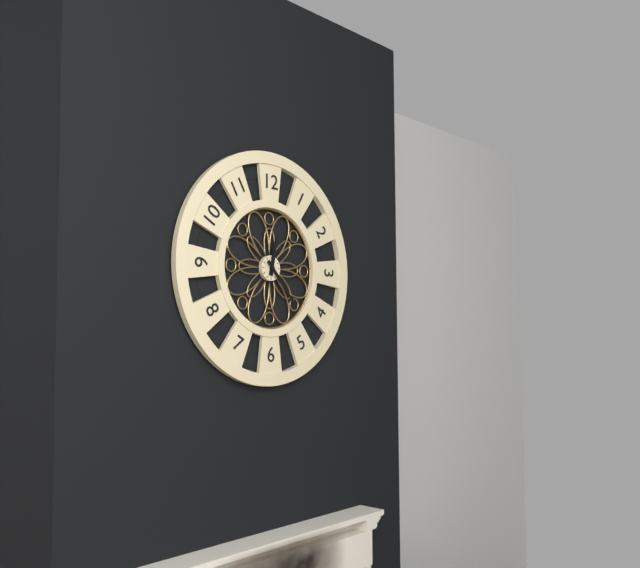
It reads **12:23**
